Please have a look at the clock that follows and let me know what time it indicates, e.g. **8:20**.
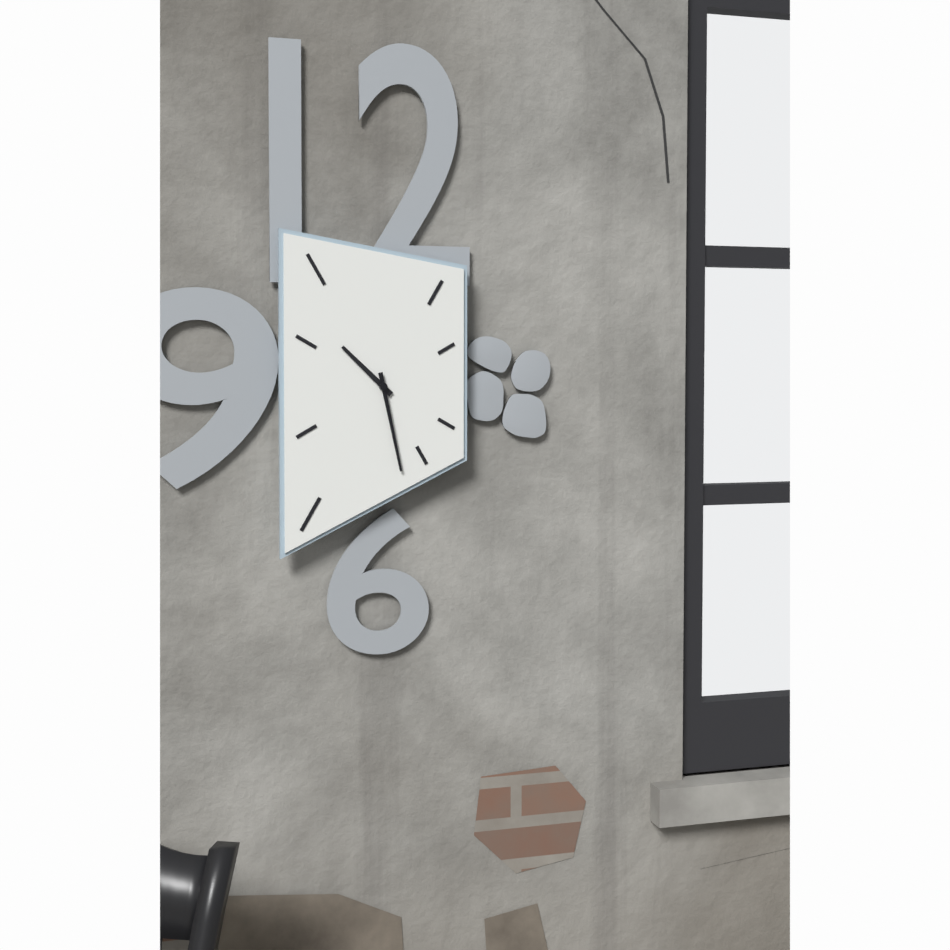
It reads **10:28**
